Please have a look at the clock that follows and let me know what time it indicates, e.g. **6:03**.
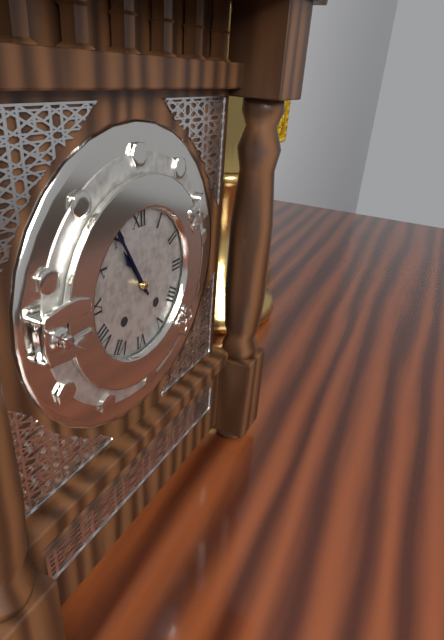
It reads **10:55**
